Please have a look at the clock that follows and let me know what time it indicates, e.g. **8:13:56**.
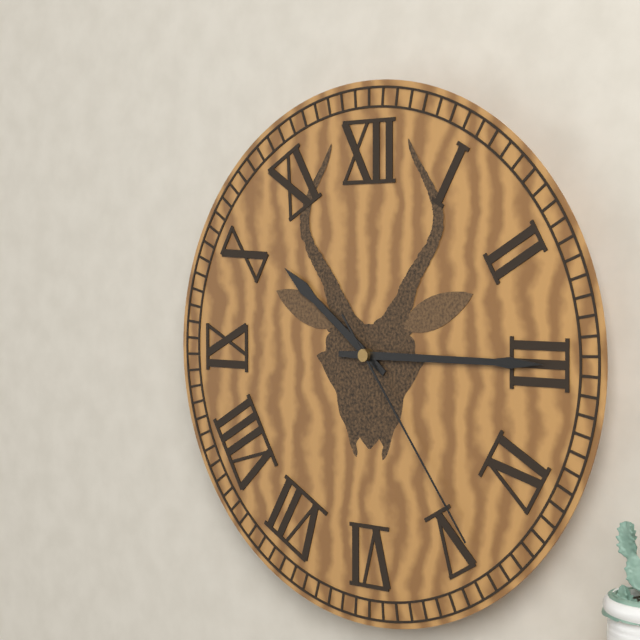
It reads **10:15:24**
